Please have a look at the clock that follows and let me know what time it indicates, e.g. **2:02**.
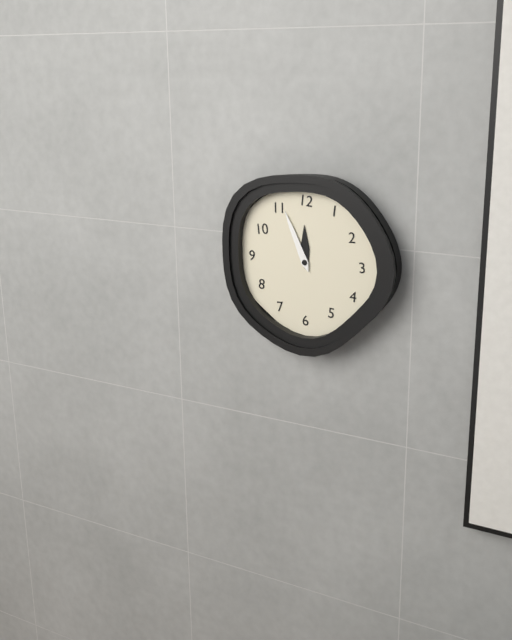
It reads **11:56**
